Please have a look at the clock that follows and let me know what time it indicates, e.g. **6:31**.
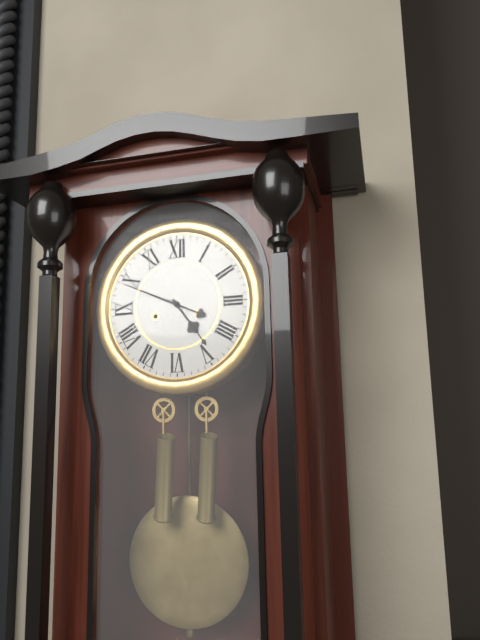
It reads **4:49**
